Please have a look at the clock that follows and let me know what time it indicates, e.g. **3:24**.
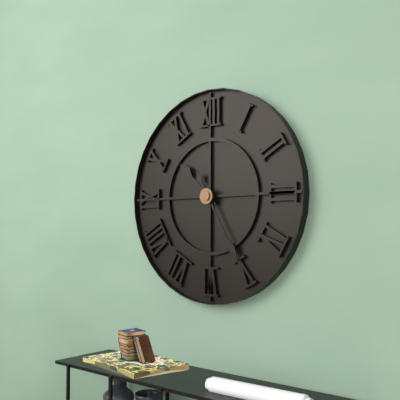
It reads **10:25**
